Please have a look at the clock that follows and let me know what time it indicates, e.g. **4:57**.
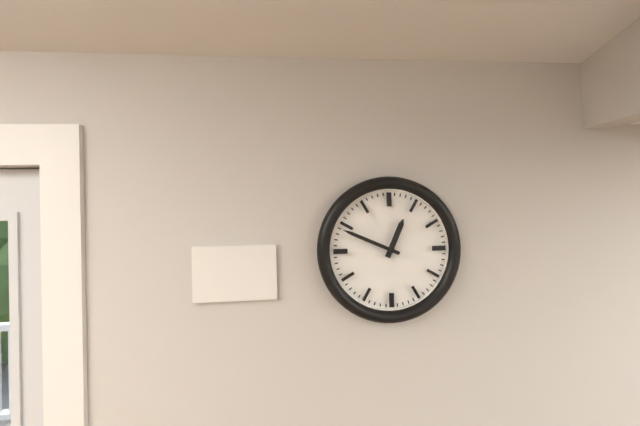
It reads **12:49**
